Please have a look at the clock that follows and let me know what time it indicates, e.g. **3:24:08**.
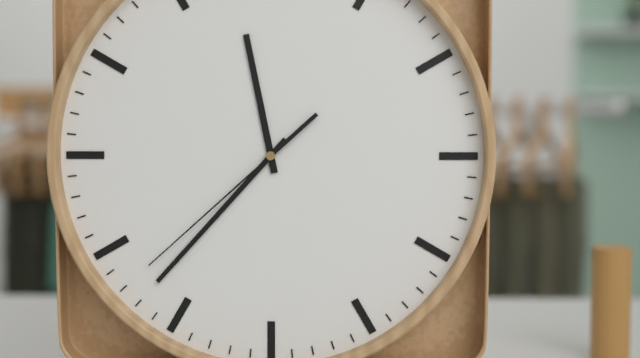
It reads **11:37:38**
